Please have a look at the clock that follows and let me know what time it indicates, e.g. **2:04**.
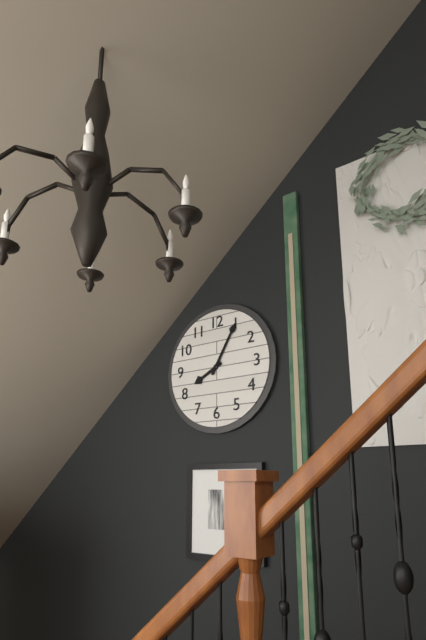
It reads **8:05**
